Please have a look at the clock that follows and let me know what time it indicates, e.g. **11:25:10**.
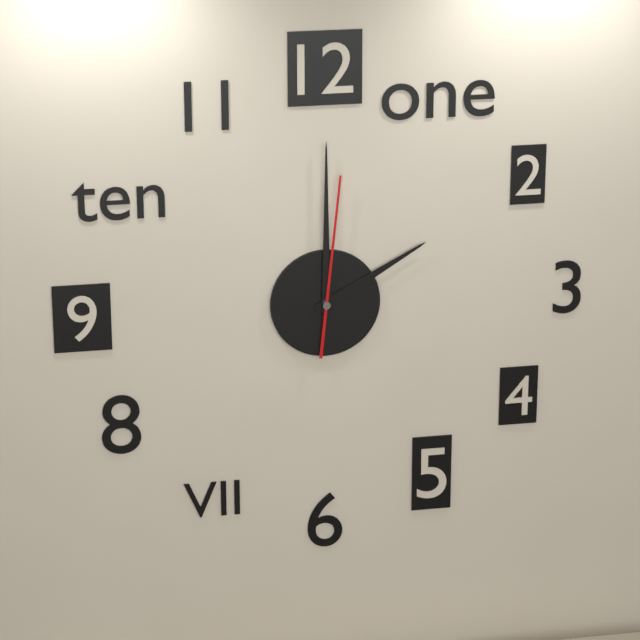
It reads **2:00:01**
